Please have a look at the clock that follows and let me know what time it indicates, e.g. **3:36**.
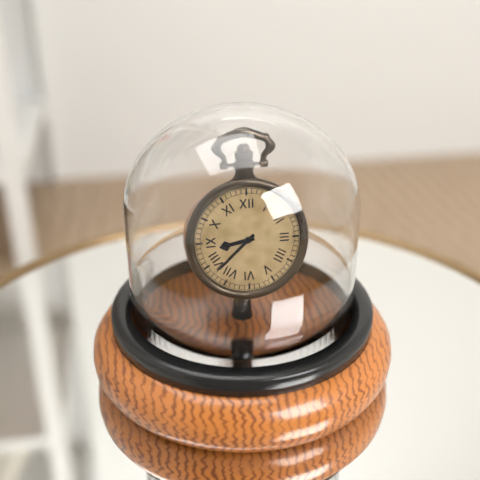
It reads **8:38**
